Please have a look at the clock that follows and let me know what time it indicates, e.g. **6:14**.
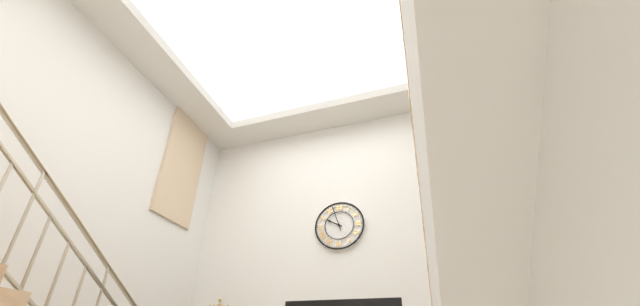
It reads **9:57**
